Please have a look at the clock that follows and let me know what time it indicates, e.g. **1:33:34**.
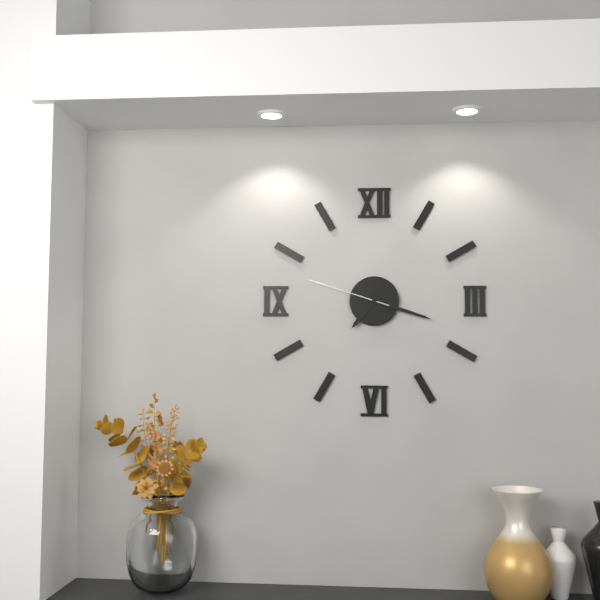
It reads **7:18:48**
